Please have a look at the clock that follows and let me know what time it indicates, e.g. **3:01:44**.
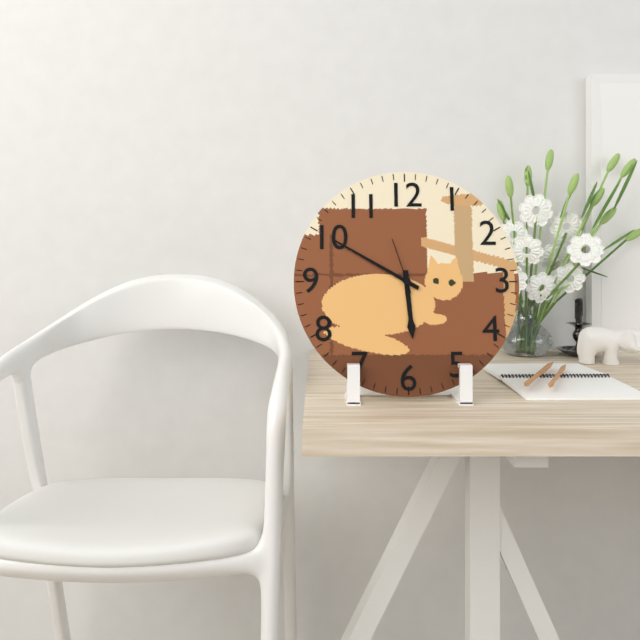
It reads **5:50:57**
